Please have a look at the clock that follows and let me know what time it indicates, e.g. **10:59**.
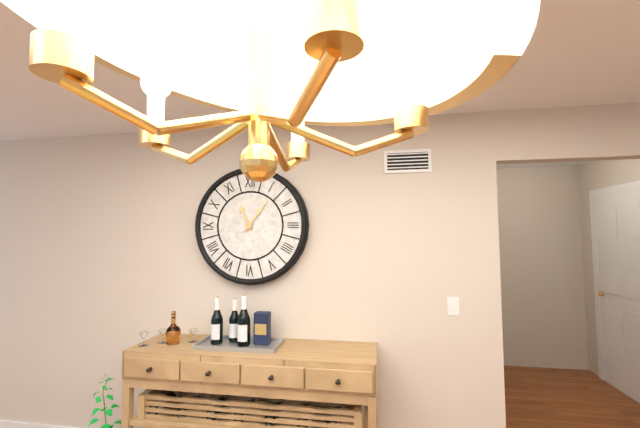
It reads **11:06**
